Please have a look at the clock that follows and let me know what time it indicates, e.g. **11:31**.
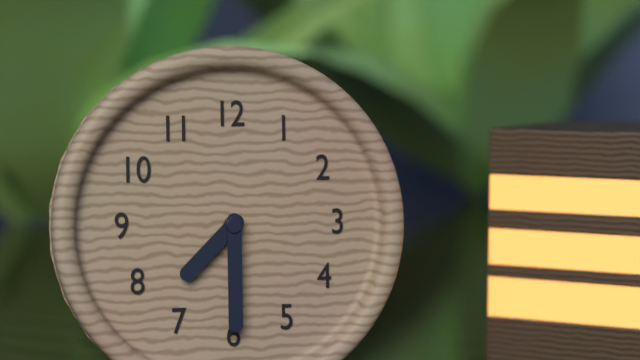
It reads **7:30**
